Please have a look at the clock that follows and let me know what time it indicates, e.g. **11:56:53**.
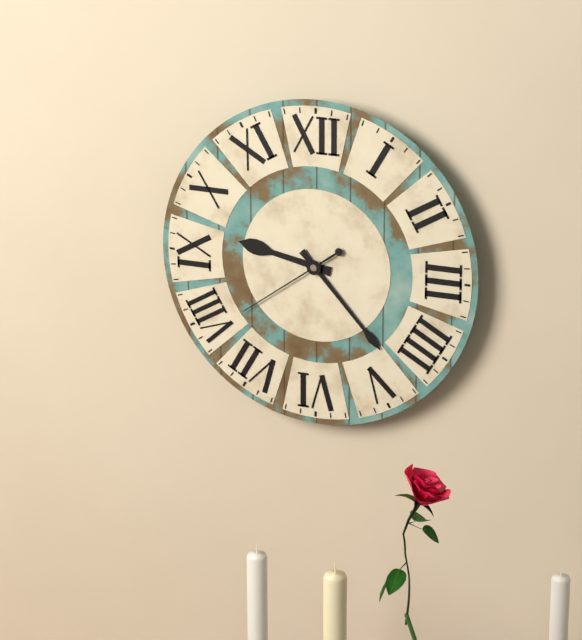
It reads **9:23:39**
